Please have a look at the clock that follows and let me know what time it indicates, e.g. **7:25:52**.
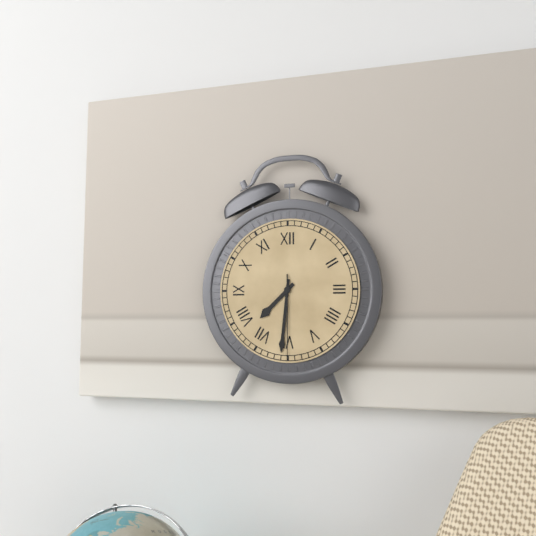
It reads **7:31:30**
